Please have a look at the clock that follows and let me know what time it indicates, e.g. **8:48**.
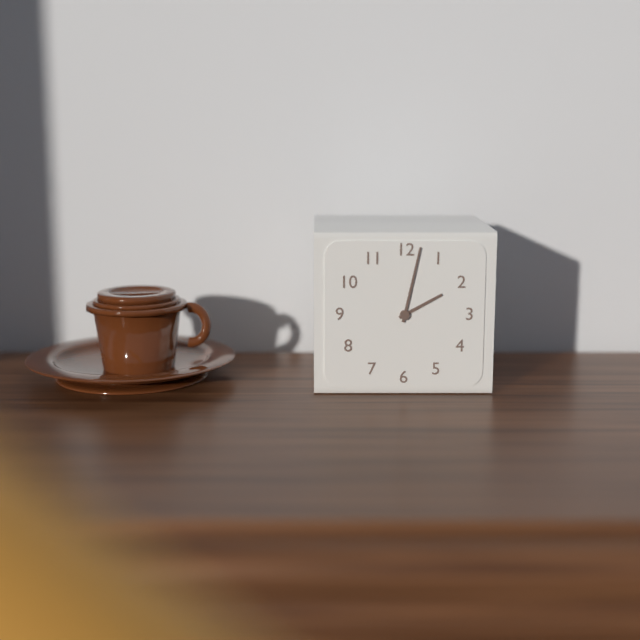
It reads **2:02**
